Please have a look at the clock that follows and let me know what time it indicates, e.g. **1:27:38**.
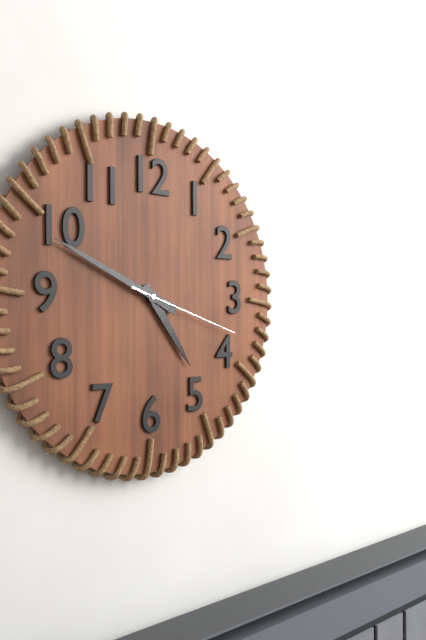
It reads **4:49:18**
